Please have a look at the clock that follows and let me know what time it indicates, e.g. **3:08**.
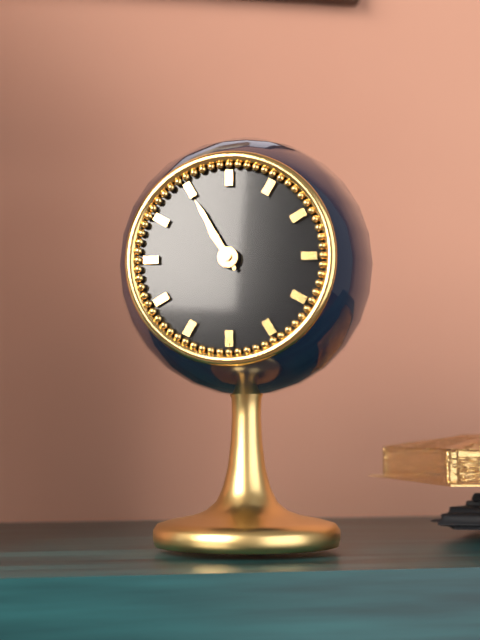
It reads **10:55**
